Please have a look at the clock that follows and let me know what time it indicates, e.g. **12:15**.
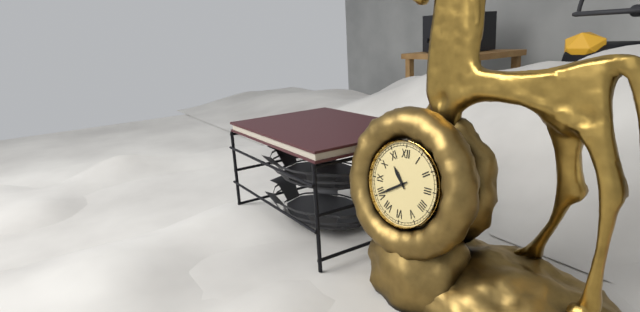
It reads **10:40**
